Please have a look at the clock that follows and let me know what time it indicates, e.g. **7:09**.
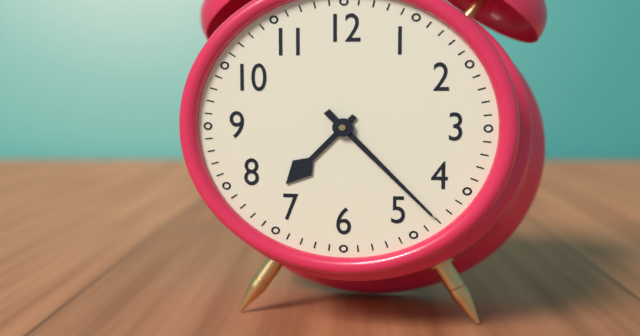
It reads **7:23**
